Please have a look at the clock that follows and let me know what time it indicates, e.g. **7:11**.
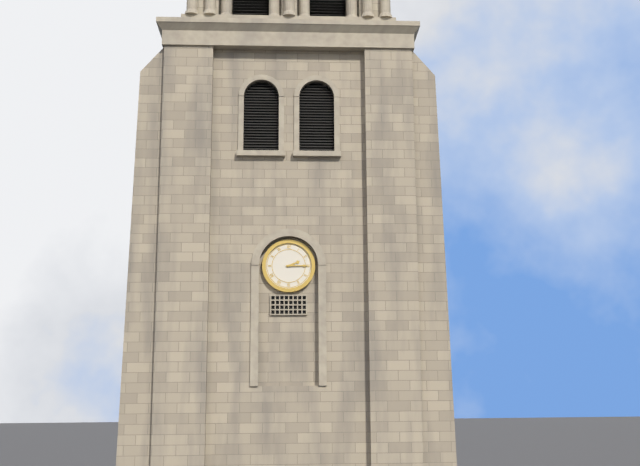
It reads **2:15**
